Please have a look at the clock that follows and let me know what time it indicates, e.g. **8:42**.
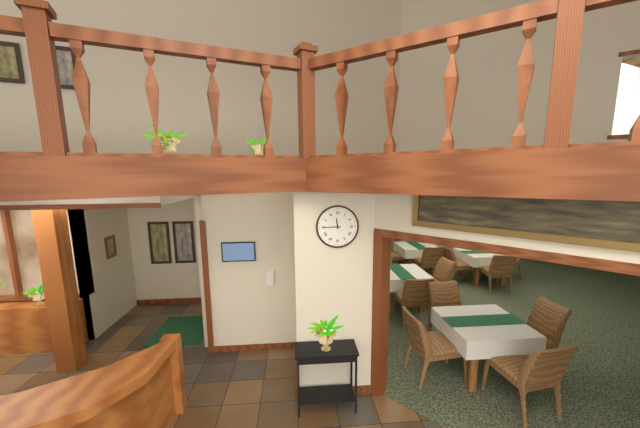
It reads **11:45**
